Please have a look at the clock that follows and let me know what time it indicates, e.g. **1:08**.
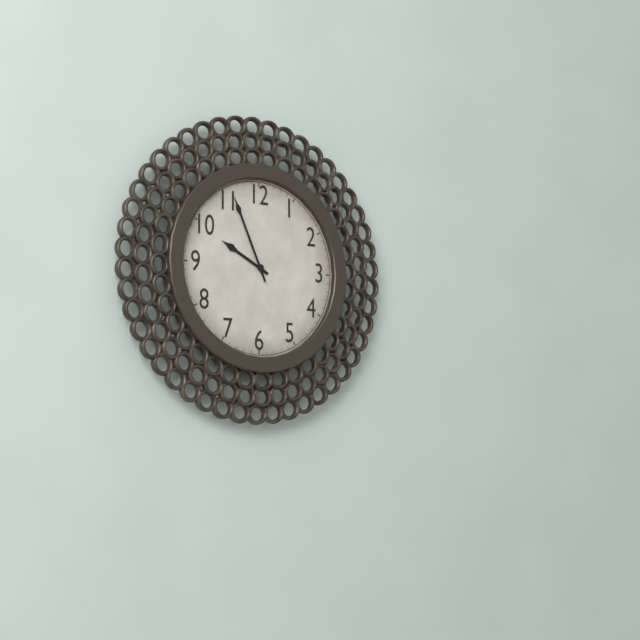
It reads **9:56**
